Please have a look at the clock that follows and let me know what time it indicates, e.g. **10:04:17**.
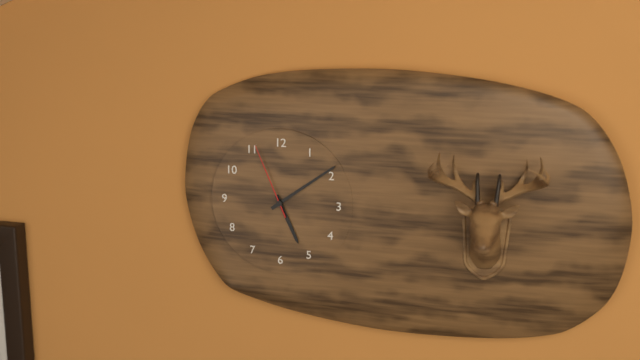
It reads **5:09:56**
